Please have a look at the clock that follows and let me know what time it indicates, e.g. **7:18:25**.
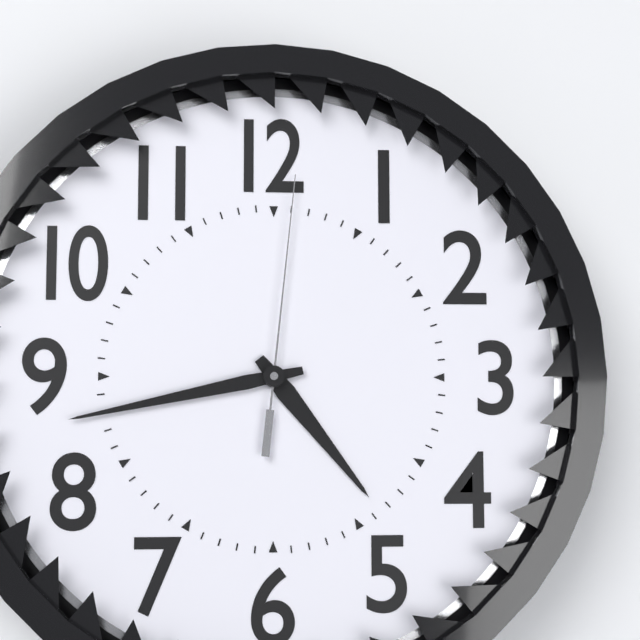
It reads **4:43:01**
